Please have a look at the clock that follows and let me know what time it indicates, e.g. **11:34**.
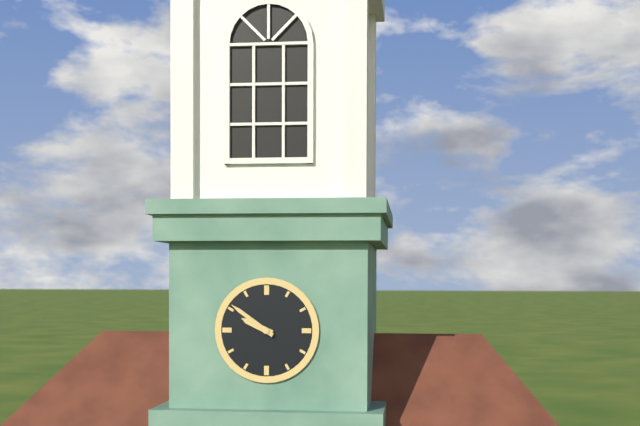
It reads **9:51**
